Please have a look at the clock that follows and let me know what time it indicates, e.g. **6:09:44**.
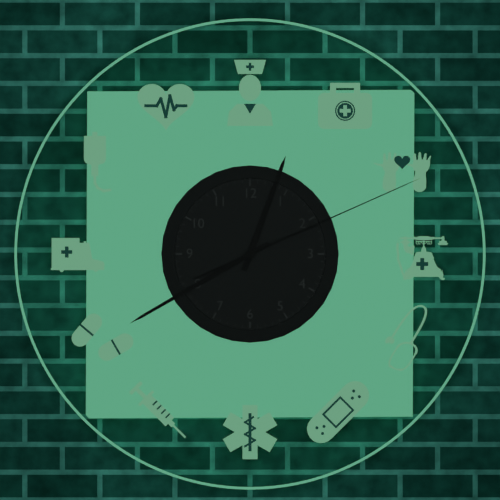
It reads **12:40:11**
